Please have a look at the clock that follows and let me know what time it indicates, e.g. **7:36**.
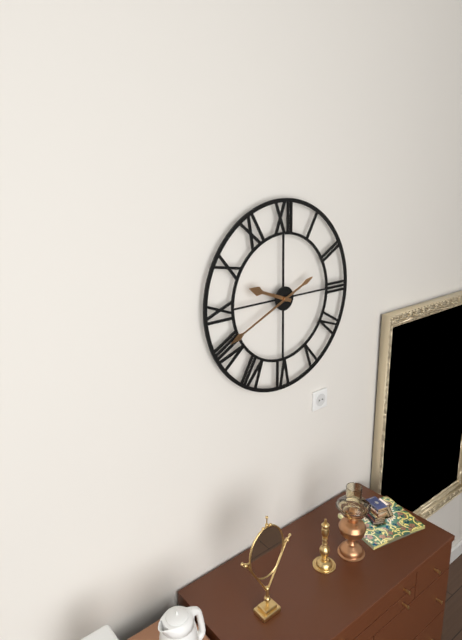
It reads **9:41**
